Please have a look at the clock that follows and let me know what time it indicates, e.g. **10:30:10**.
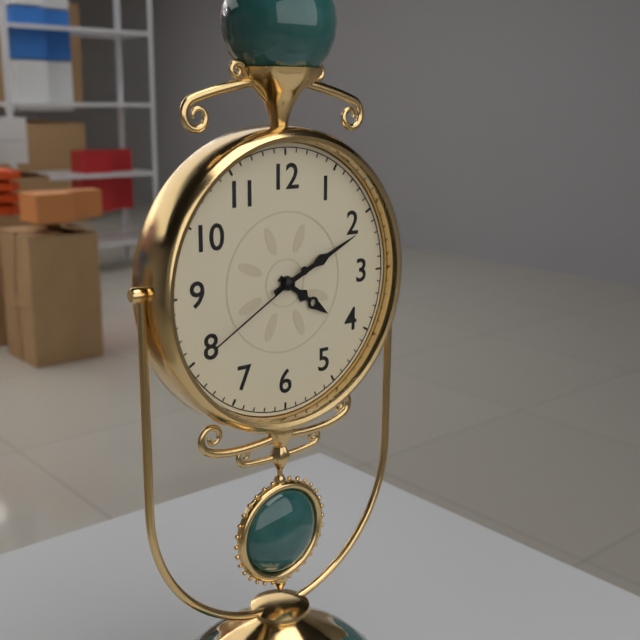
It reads **4:11:40**
